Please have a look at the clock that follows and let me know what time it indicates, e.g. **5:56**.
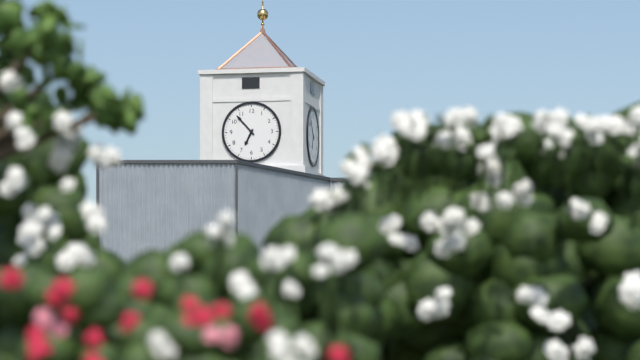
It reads **6:53**
